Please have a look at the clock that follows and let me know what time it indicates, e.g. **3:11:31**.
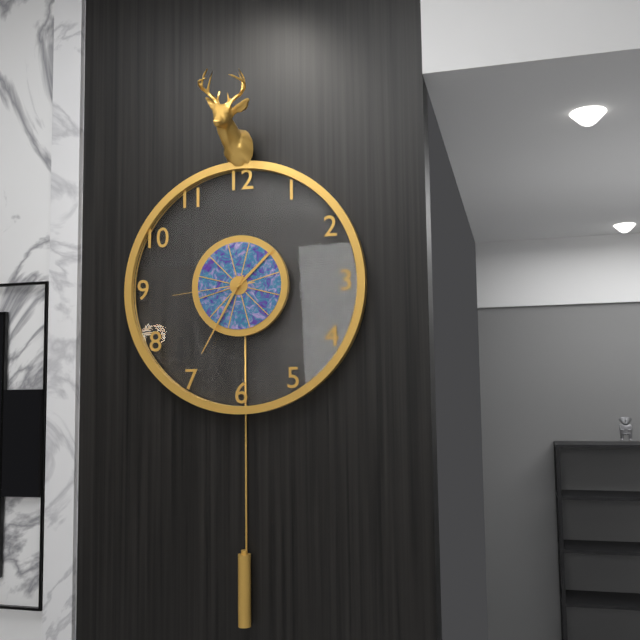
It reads **1:35:44**
